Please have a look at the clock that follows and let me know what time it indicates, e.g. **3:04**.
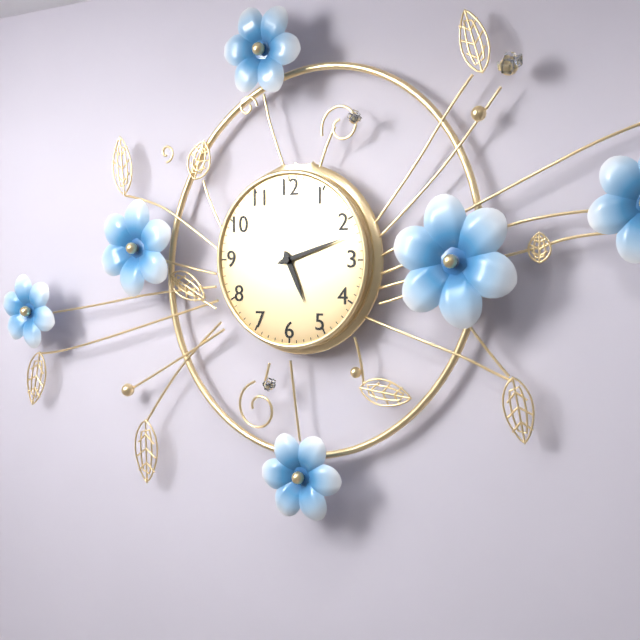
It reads **5:12**
